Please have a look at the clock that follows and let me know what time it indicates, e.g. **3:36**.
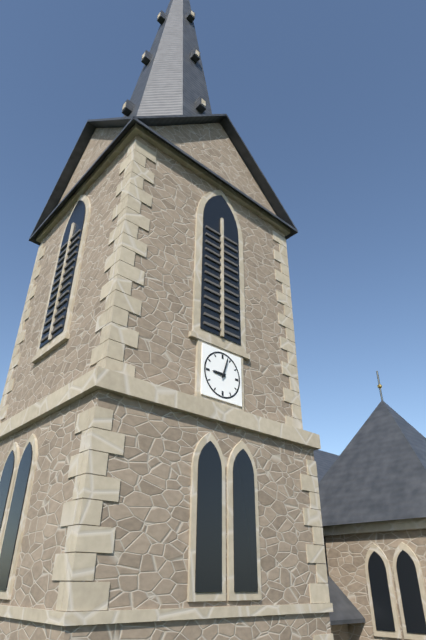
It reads **9:03**
